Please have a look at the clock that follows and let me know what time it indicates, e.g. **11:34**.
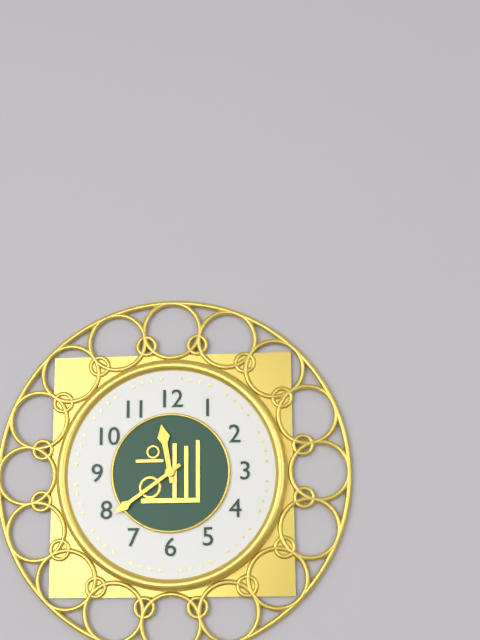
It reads **11:39**
